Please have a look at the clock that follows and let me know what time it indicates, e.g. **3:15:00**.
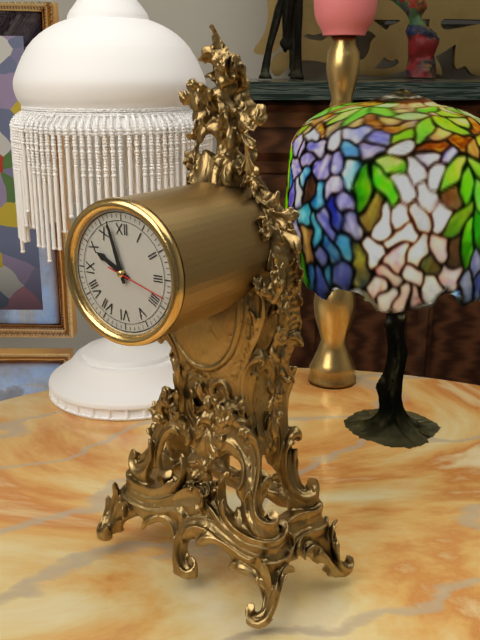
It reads **9:57:18**
